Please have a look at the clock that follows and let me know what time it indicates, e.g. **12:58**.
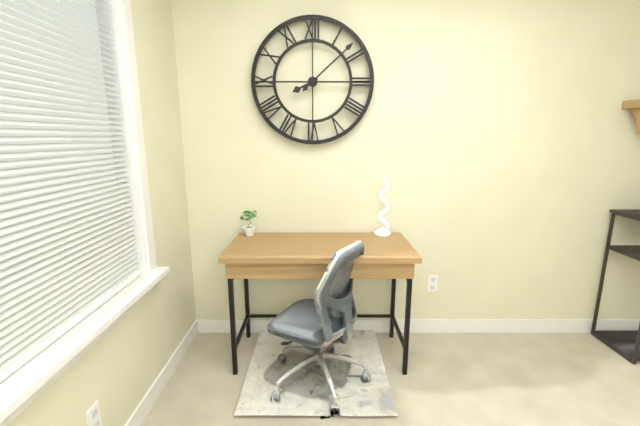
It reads **8:08**
